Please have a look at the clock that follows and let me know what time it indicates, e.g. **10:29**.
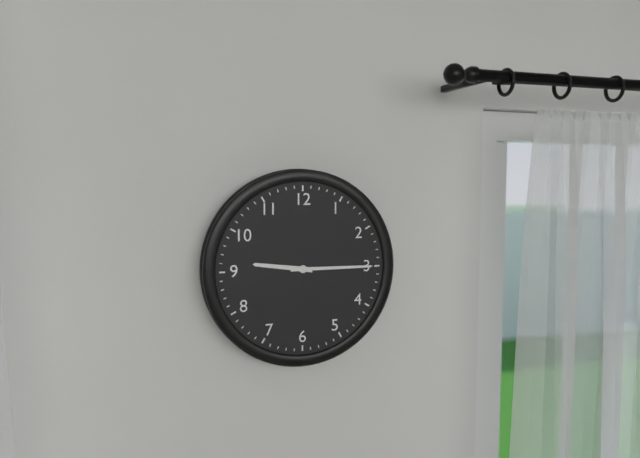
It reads **9:15**
